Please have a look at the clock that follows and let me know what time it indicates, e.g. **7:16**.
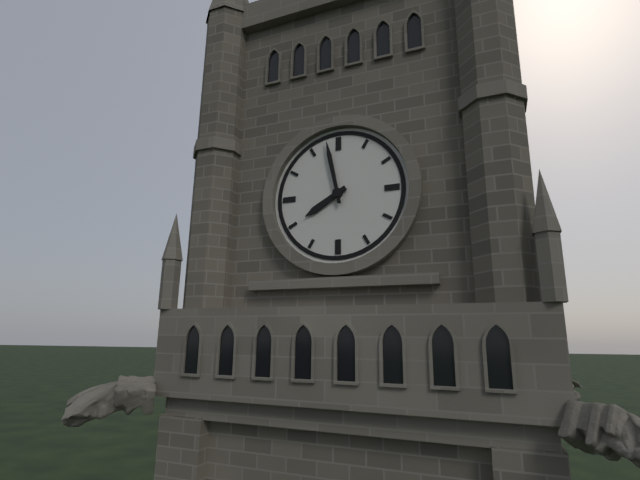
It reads **7:58**
